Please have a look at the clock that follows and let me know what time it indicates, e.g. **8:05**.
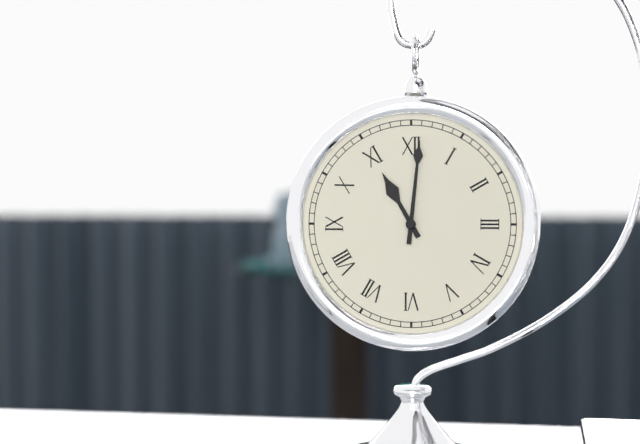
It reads **11:01**
